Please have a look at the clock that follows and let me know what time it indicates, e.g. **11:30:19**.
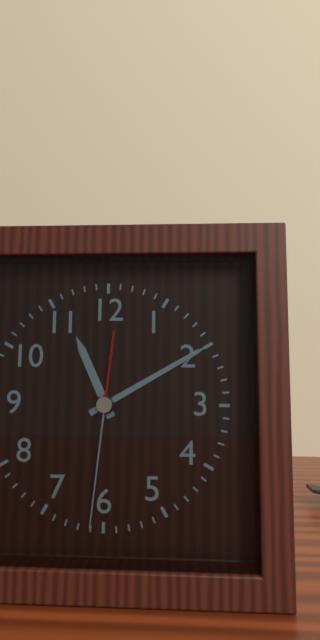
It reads **11:10:31**
